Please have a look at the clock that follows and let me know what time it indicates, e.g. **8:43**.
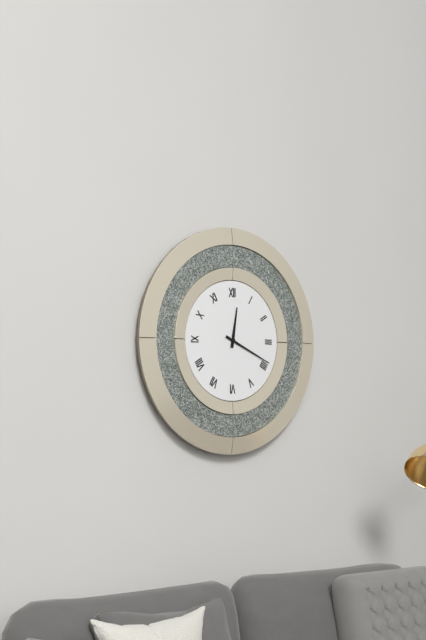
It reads **12:19**
